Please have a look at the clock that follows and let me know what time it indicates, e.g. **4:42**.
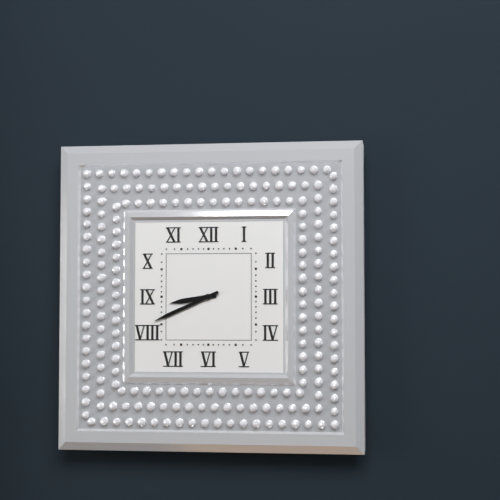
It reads **8:41**
